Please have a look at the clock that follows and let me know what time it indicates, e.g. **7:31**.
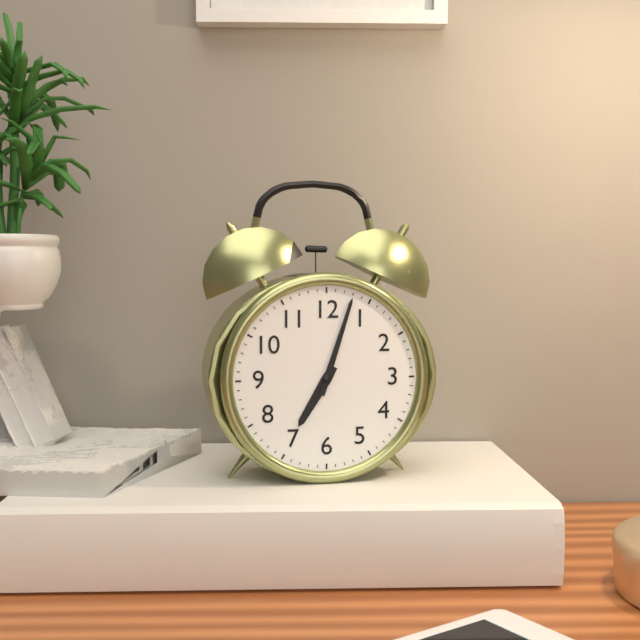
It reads **7:03**
